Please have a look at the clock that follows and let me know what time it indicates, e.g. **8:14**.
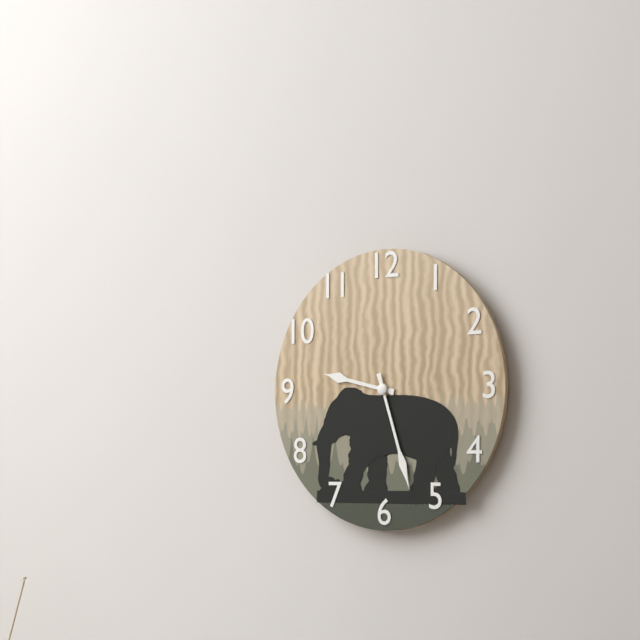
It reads **9:27**
